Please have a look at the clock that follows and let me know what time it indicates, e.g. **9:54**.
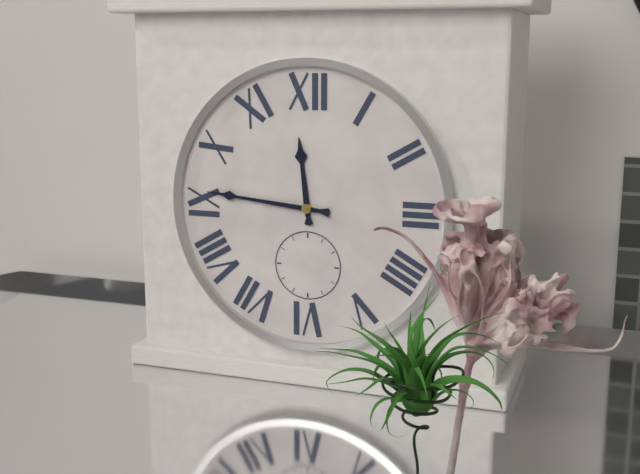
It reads **11:46**
